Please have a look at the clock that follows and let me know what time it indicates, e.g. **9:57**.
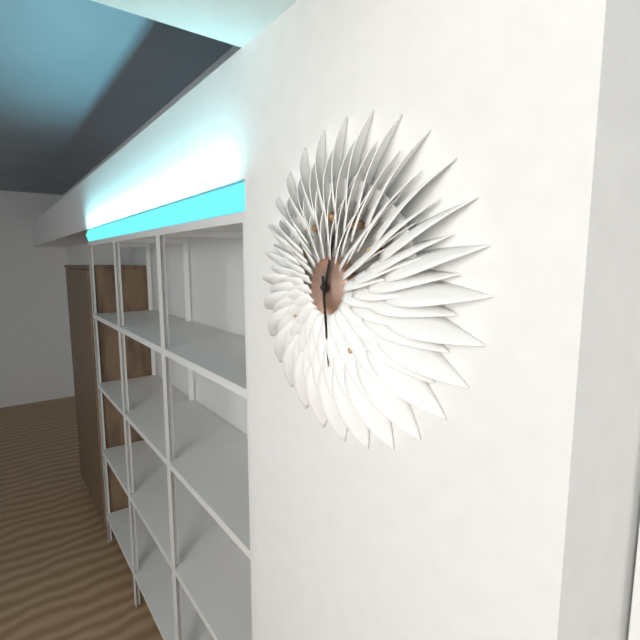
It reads **12:29**
